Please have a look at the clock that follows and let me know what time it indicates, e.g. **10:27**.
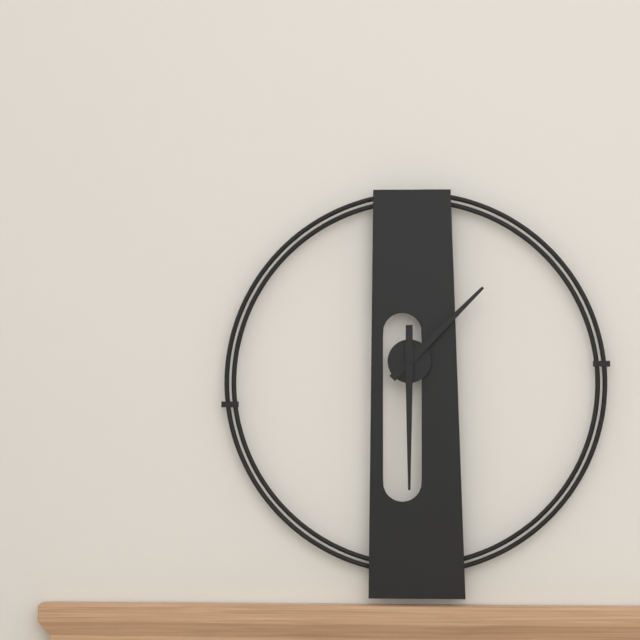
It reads **1:30**
